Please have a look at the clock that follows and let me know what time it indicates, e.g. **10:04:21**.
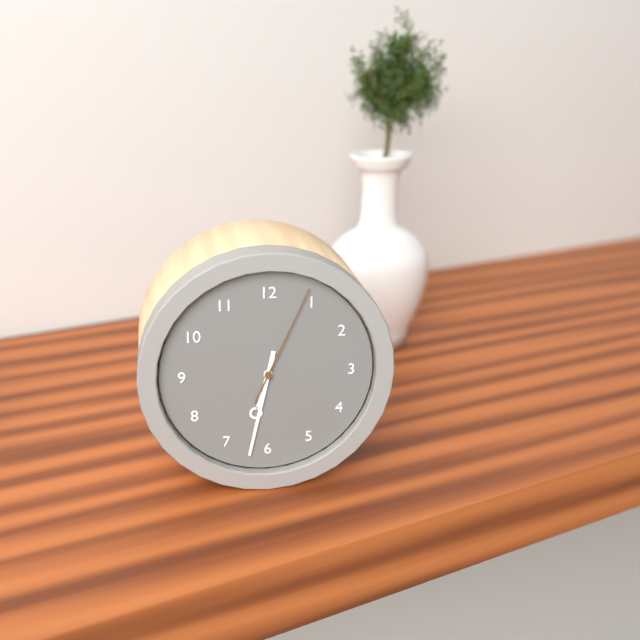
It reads **6:32:04**
